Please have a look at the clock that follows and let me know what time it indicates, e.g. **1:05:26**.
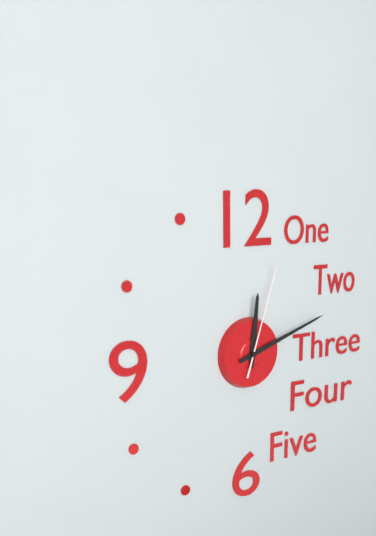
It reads **12:12:03**
